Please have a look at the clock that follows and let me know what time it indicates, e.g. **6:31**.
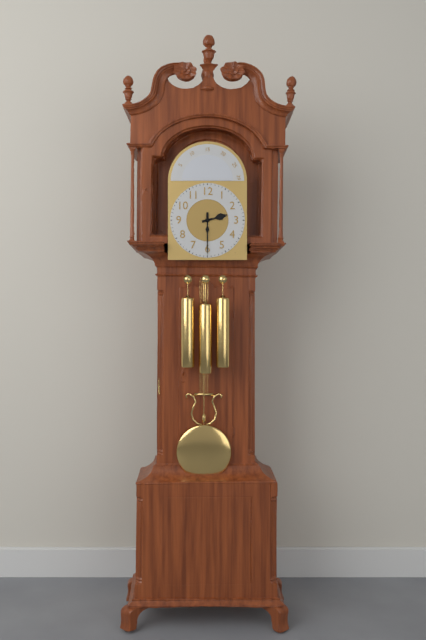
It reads **2:30**
